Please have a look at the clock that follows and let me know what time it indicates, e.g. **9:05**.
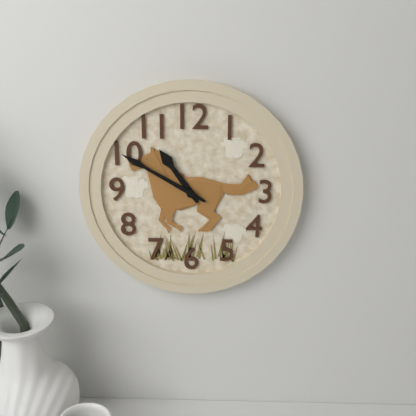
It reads **10:50**
